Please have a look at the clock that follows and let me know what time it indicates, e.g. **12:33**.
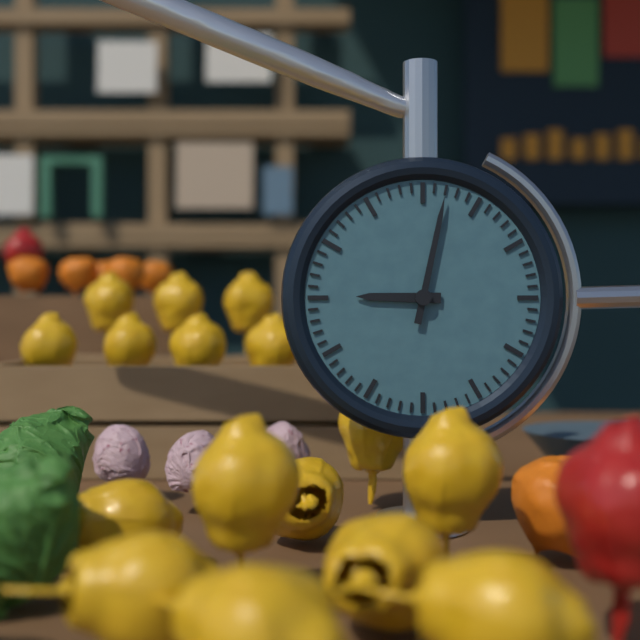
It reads **9:02**
